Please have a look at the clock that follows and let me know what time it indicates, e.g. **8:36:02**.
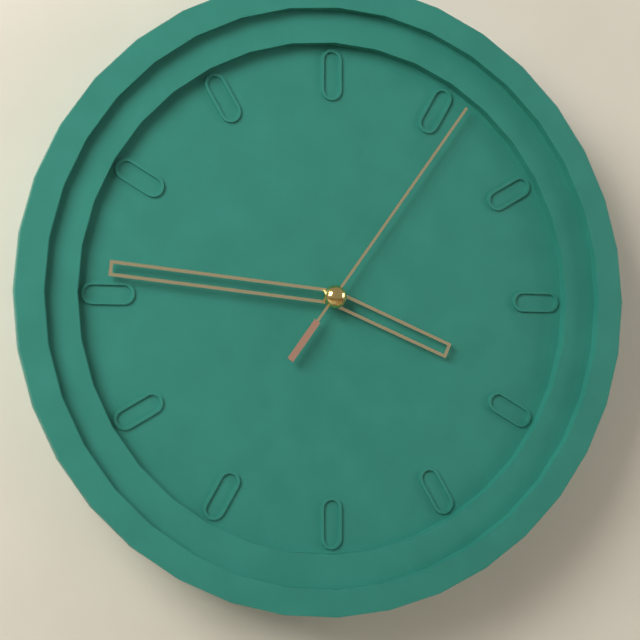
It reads **3:46:06**
